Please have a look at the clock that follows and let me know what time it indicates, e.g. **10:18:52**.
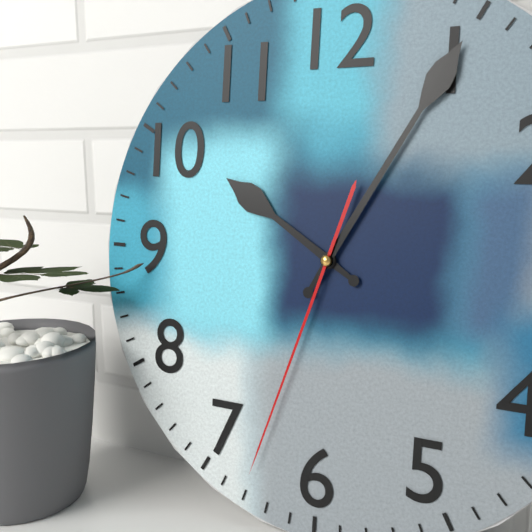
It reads **10:05:33**
